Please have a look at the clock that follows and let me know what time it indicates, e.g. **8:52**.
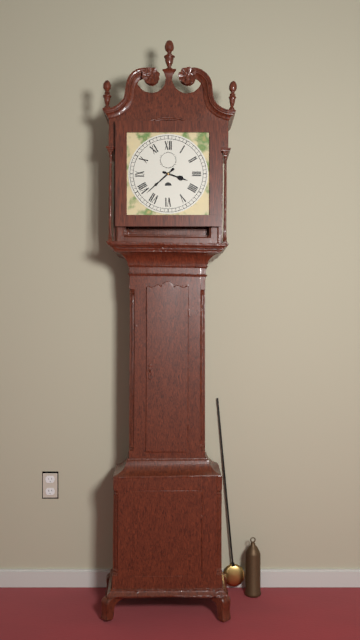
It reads **3:38**
